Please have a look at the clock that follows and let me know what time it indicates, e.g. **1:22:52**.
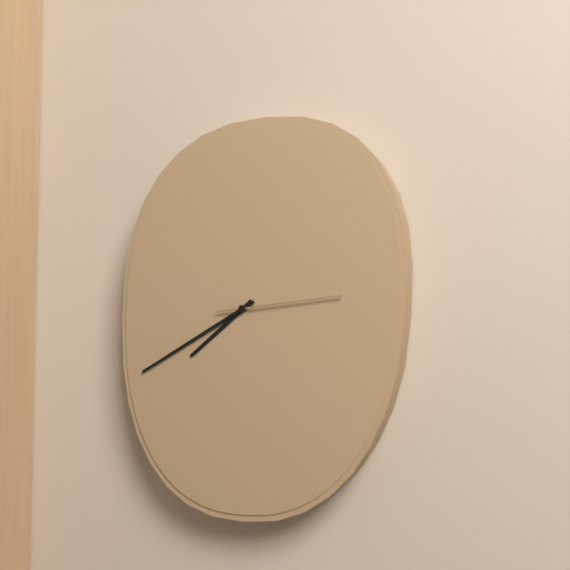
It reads **7:40:14**
